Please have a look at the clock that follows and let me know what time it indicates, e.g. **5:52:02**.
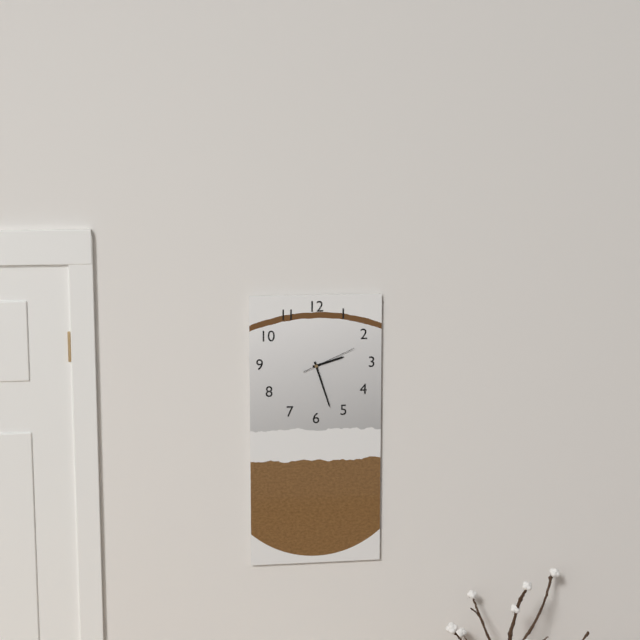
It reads **2:27:11**
